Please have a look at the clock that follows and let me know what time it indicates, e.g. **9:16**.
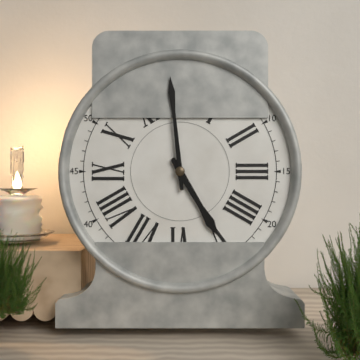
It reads **4:59**
